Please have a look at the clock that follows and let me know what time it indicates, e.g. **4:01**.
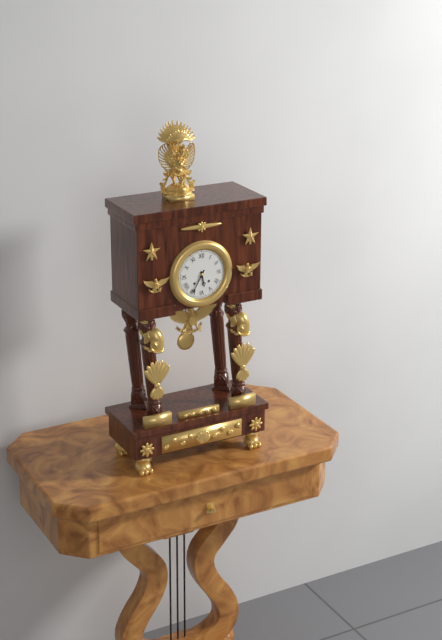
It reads **5:35**
